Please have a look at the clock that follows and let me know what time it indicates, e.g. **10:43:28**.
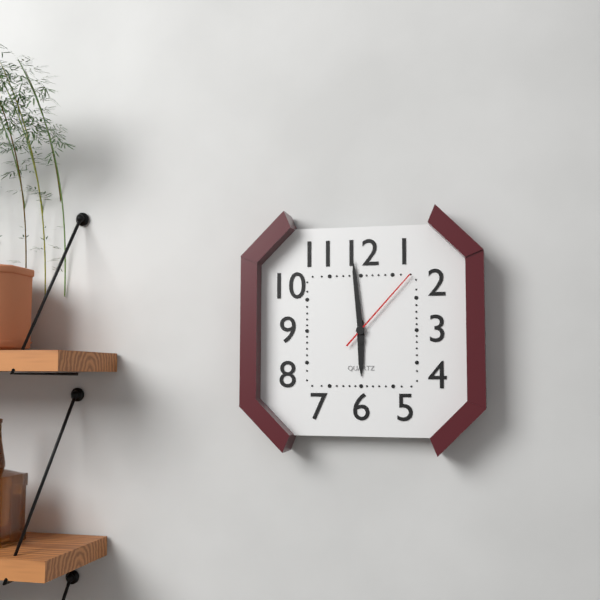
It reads **5:59:07**
